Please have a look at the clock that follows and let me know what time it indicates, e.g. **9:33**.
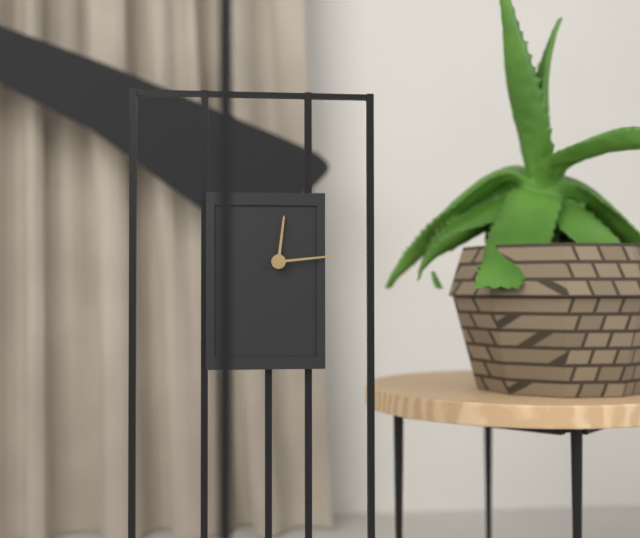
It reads **12:14**
